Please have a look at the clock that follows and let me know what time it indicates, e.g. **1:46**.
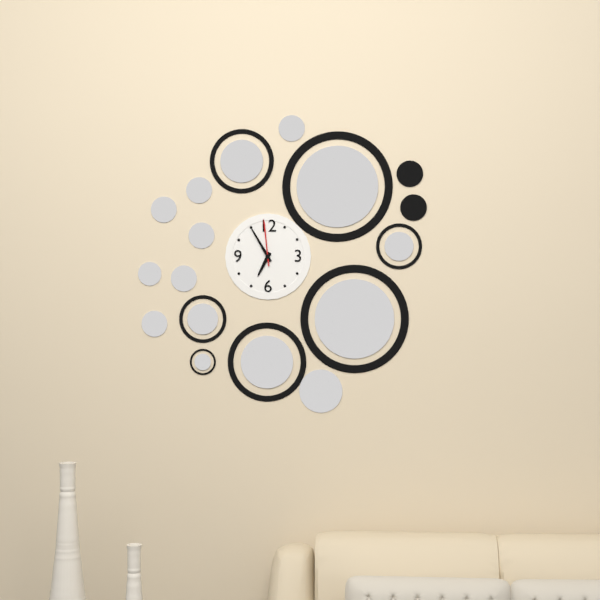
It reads **6:55**
